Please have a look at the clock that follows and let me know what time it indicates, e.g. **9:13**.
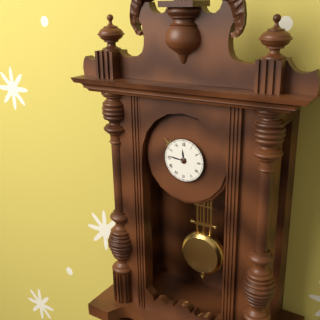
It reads **11:46**
